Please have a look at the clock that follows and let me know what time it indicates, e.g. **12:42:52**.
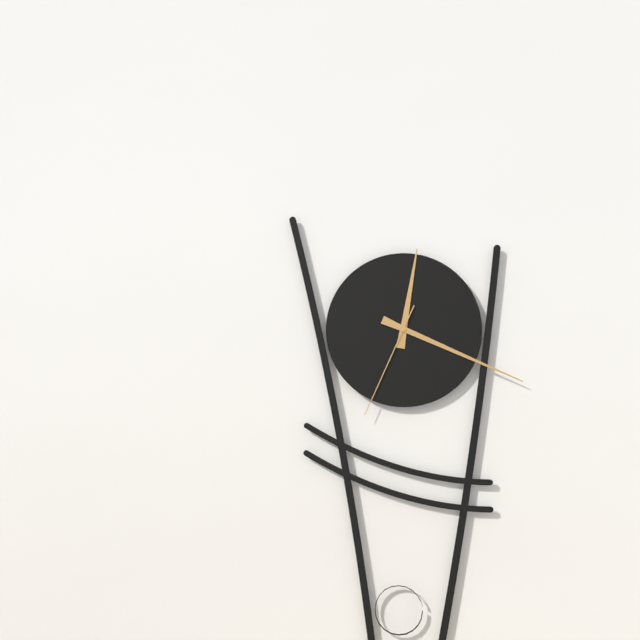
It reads **12:19:34**
